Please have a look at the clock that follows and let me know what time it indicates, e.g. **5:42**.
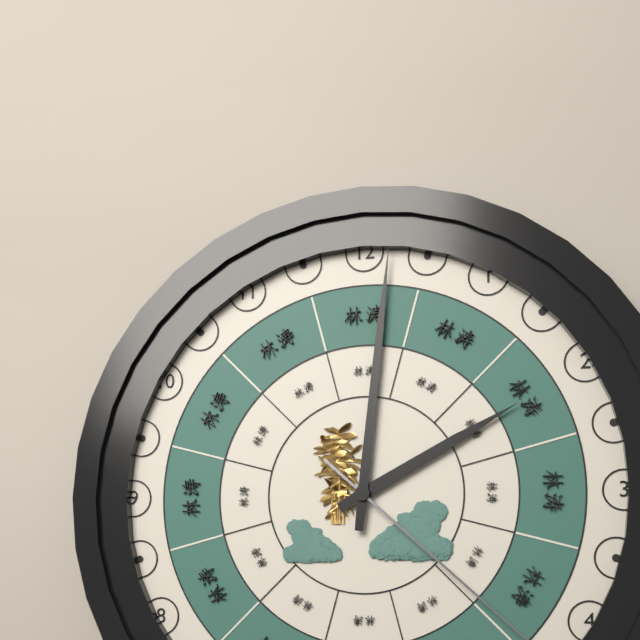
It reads **2:01**
